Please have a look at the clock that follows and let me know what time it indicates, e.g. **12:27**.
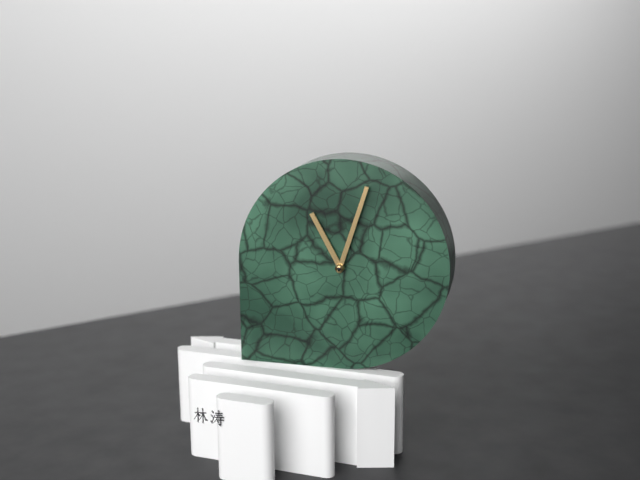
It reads **11:03**
